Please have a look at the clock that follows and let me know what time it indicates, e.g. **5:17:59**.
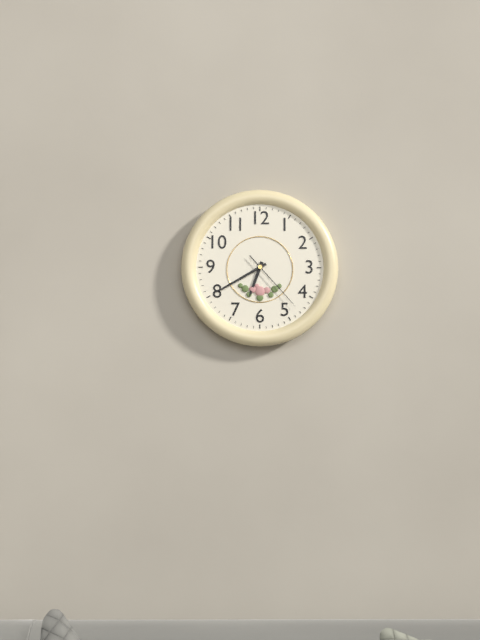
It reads **6:40:23**
